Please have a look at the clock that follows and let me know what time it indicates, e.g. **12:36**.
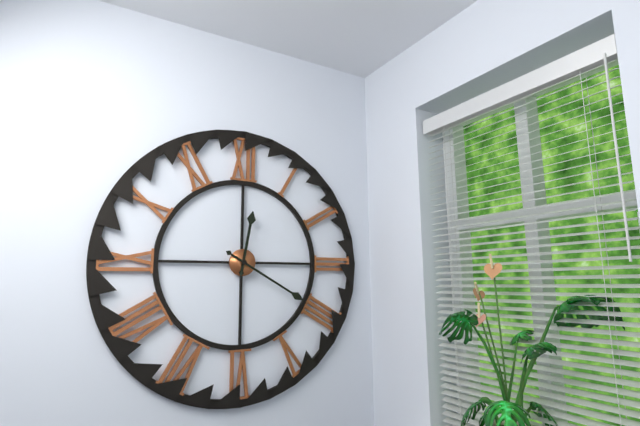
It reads **12:20**
